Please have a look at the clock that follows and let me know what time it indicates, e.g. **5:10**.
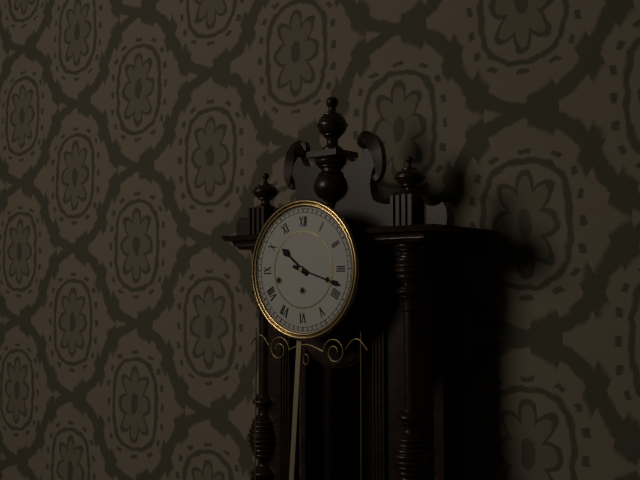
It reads **10:18**
